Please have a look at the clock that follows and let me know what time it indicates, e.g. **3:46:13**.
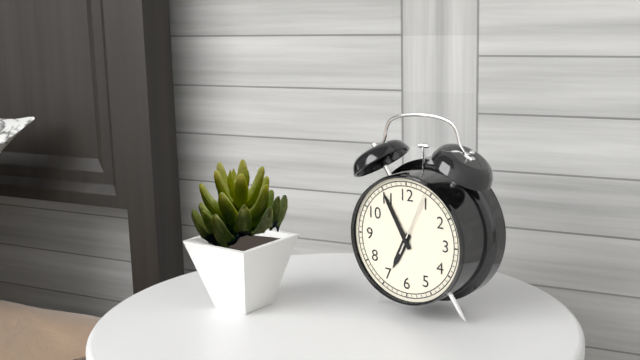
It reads **6:55:04**
